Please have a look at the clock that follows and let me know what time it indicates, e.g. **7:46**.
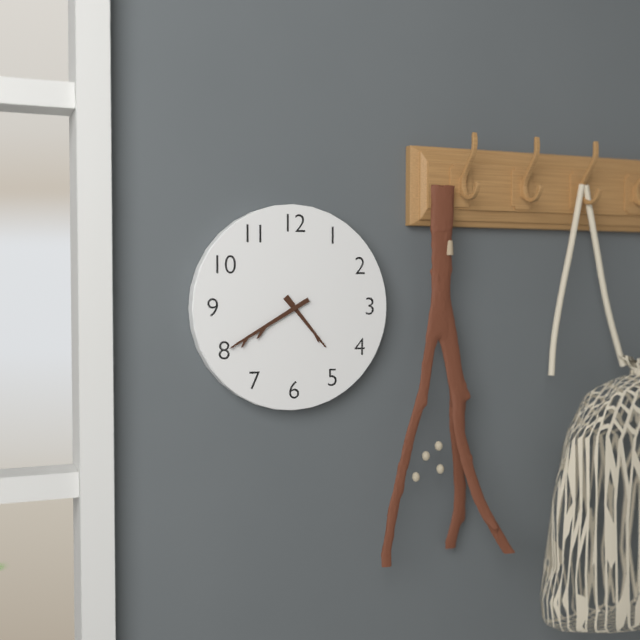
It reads **4:40**
